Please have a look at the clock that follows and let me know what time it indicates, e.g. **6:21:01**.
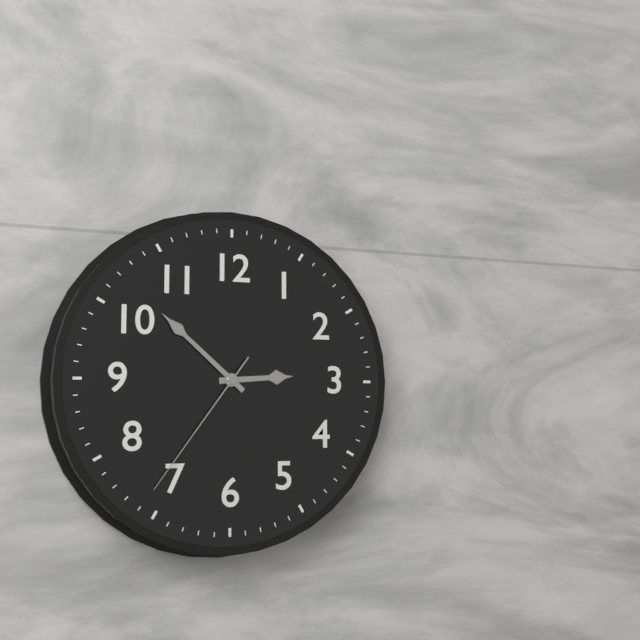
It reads **2:52:36**
